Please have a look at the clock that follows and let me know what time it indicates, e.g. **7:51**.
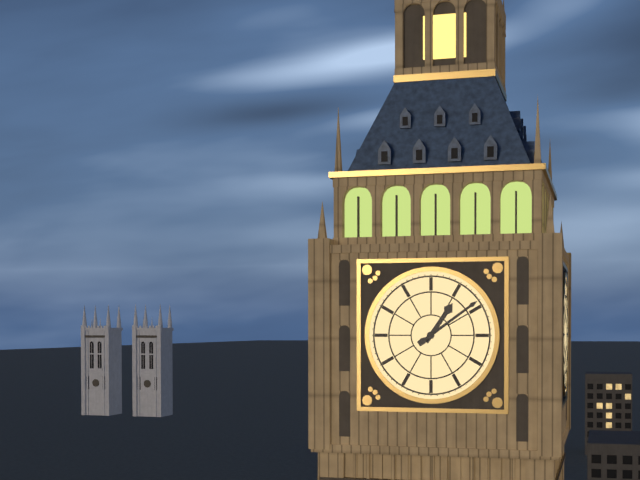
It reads **1:09**
